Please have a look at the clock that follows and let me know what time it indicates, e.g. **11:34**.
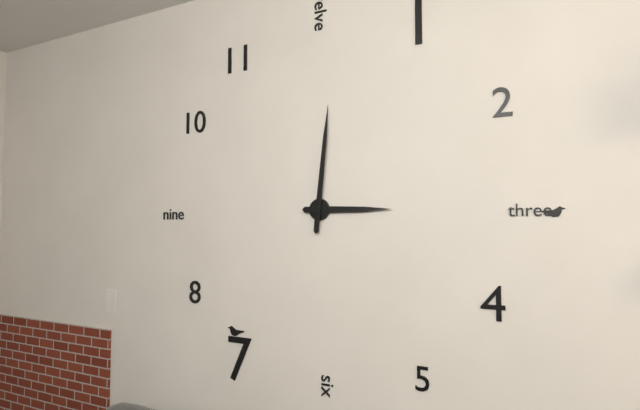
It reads **3:01**
